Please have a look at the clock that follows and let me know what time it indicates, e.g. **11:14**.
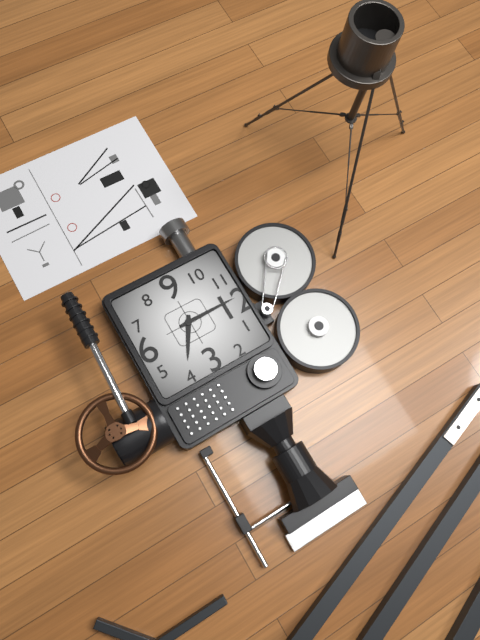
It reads **4:00**
